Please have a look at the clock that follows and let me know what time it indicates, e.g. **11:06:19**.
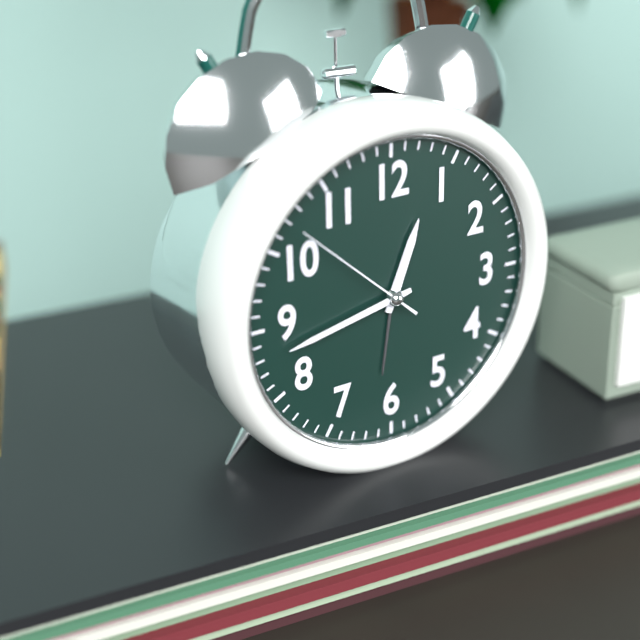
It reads **12:43:52**
